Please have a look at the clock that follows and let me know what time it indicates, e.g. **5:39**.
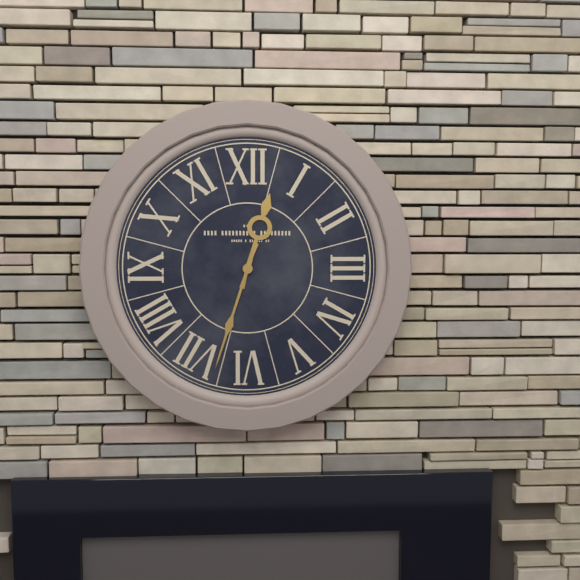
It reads **12:33**
